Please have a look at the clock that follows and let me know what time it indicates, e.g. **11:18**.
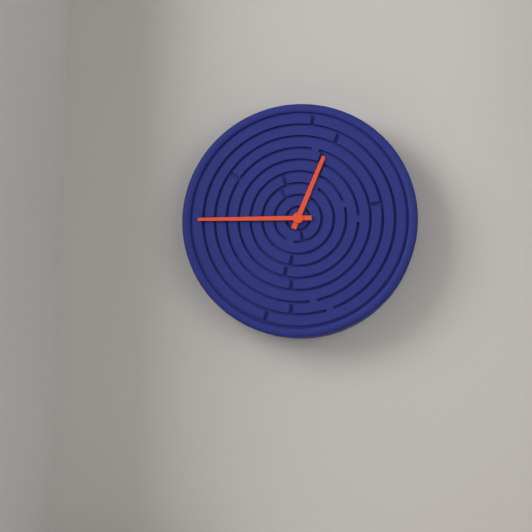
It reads **12:45**
